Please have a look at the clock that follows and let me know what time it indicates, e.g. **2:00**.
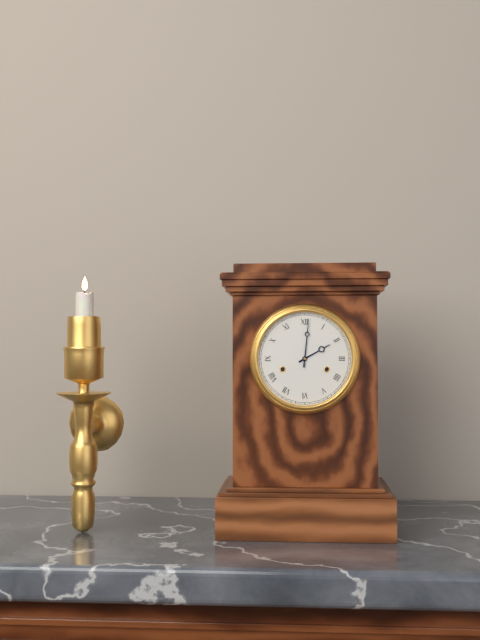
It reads **2:01**
